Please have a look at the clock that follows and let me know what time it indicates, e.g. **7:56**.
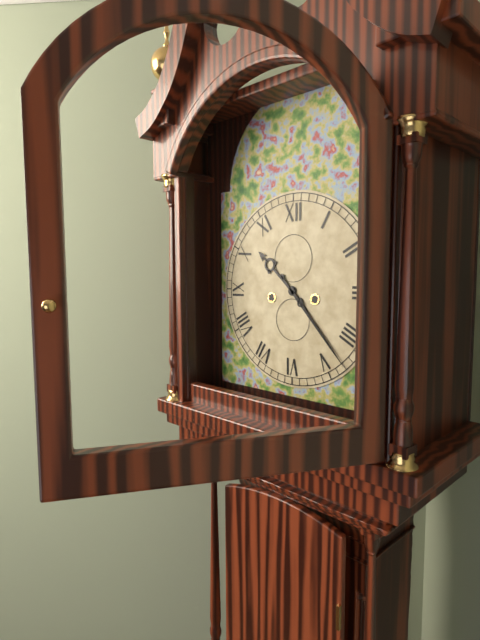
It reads **10:23**
